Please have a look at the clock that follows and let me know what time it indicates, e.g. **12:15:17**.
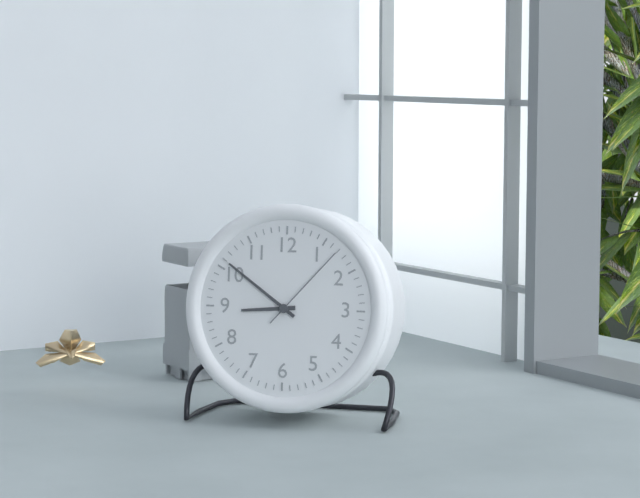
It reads **8:51:07**
